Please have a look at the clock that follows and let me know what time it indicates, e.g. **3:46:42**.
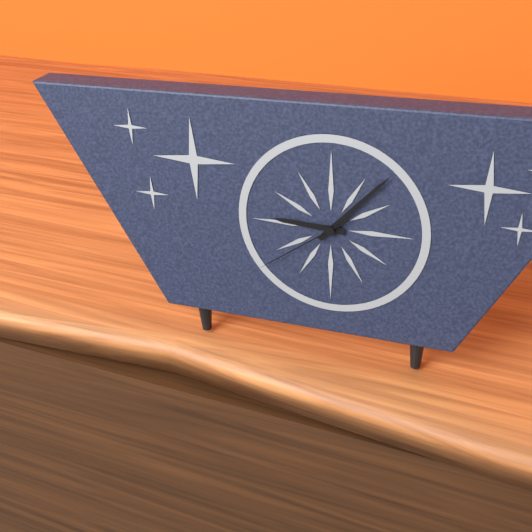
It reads **9:07:39**
